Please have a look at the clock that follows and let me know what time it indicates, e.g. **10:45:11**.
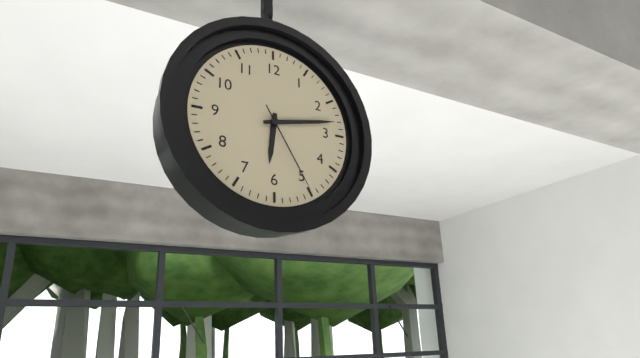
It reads **6:13:25**
